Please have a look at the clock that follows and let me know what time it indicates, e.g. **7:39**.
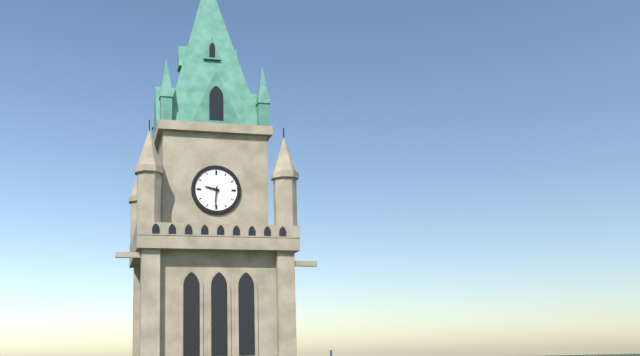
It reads **9:31**
